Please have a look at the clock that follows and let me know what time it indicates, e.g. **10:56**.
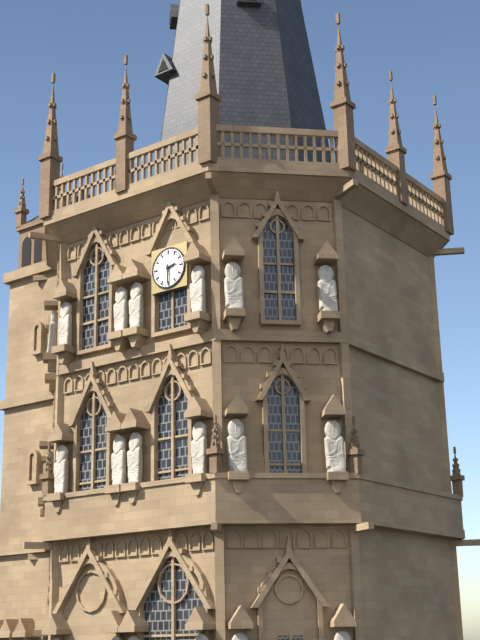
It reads **2:30**
